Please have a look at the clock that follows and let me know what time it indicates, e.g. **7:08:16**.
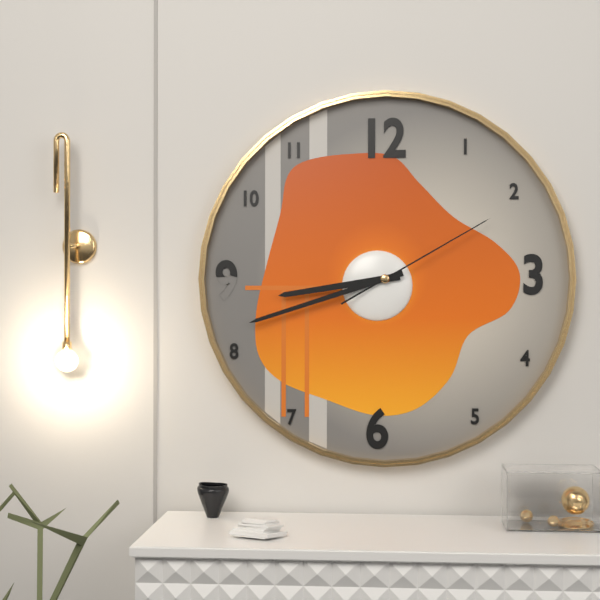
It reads **8:42:10**
